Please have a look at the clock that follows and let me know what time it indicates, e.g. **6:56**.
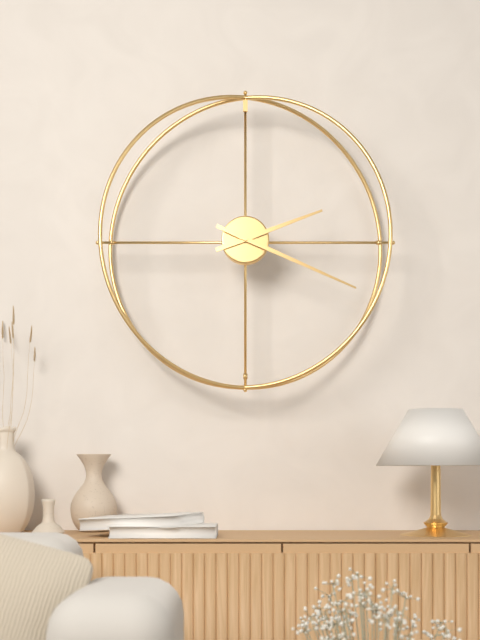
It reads **2:19**
